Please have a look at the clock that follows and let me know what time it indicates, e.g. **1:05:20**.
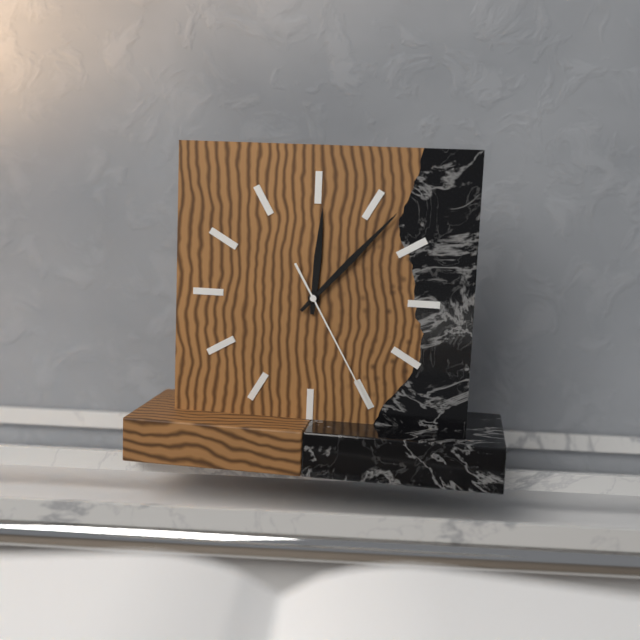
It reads **12:07:25**
